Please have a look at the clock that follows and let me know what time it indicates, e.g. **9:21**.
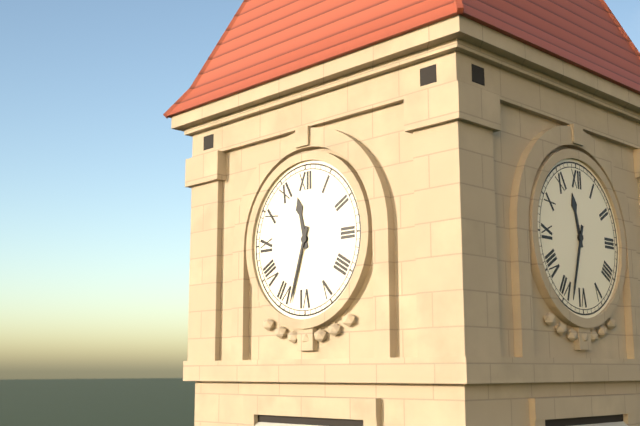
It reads **11:33**
